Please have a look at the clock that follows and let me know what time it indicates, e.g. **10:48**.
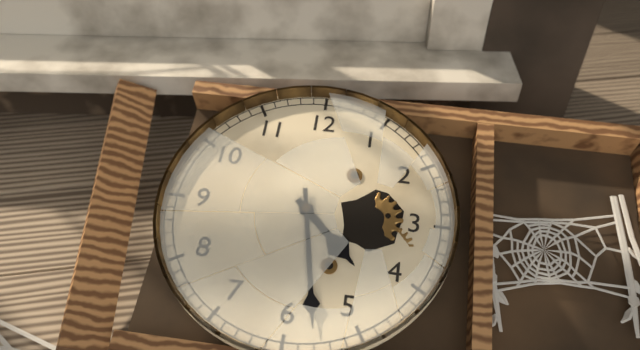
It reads **4:28**
